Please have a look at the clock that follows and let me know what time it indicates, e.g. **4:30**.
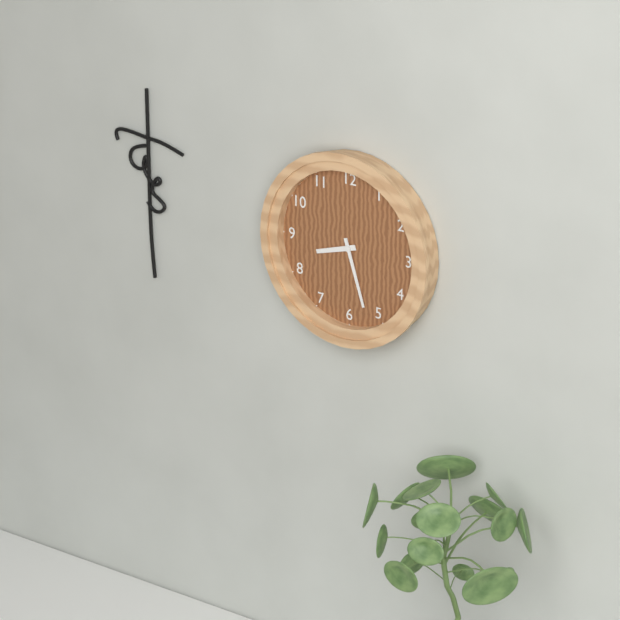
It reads **8:27**
